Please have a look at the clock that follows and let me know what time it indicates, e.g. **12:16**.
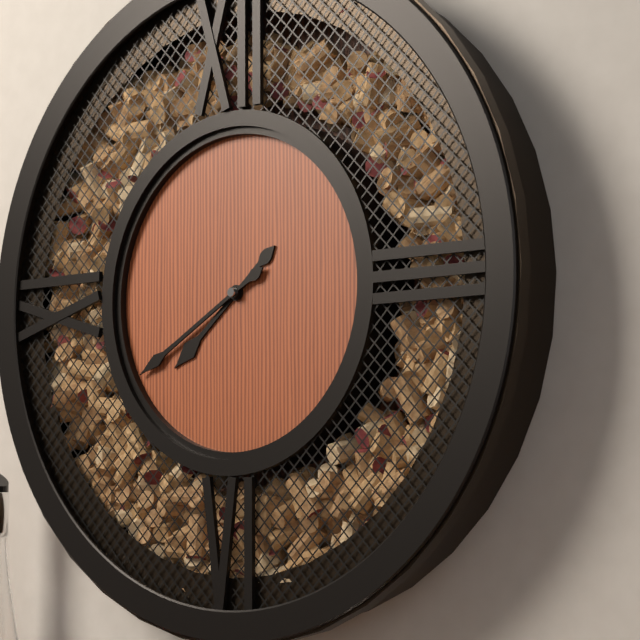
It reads **7:40**
